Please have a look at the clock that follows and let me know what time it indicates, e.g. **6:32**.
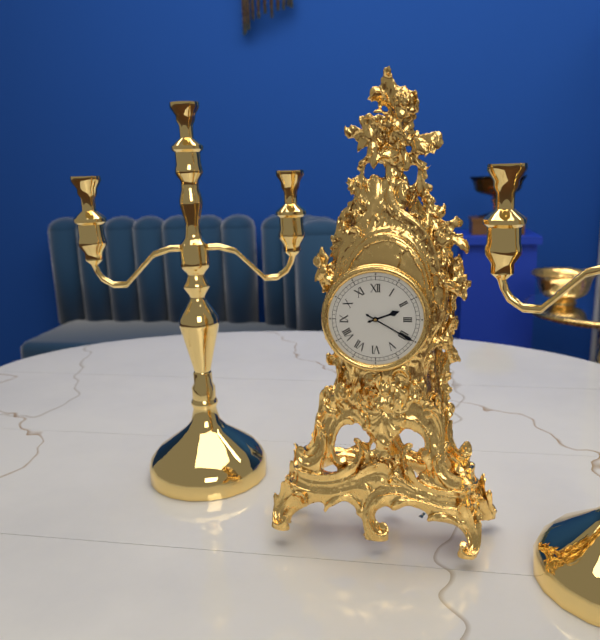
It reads **2:20**
